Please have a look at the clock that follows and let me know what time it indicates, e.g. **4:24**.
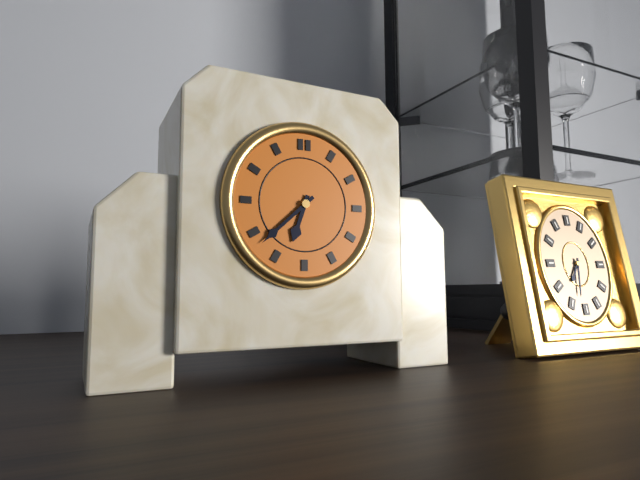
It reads **6:38**
